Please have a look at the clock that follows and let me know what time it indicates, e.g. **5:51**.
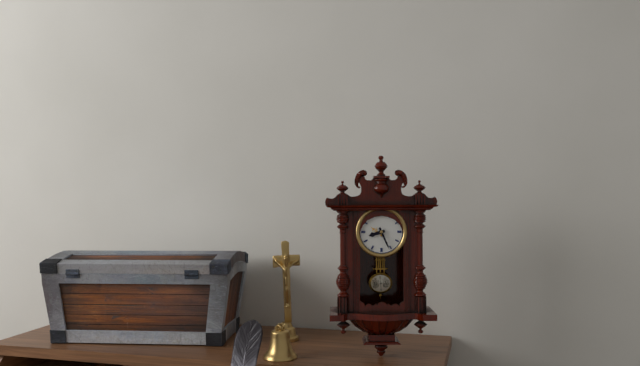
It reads **8:26**
